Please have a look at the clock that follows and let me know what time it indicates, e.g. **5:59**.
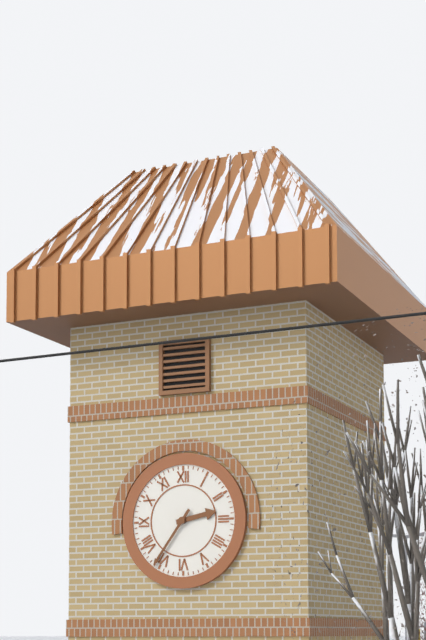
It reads **2:36**
